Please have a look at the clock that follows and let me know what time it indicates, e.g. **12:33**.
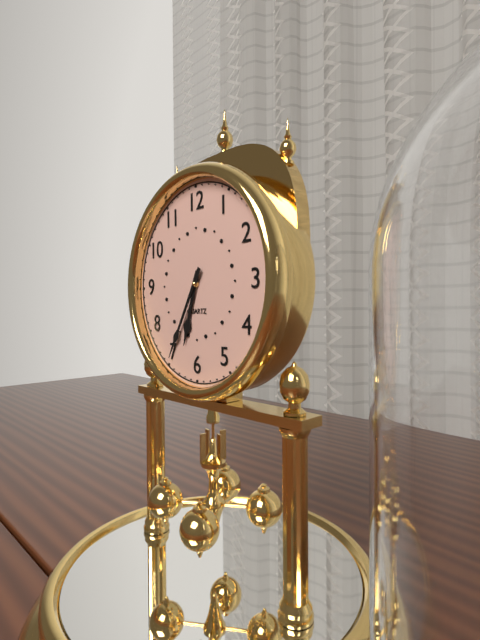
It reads **6:35**
